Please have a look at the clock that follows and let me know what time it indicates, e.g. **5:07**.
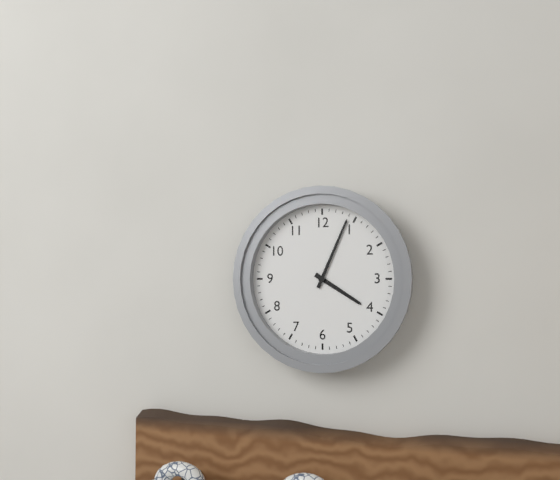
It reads **4:04**
